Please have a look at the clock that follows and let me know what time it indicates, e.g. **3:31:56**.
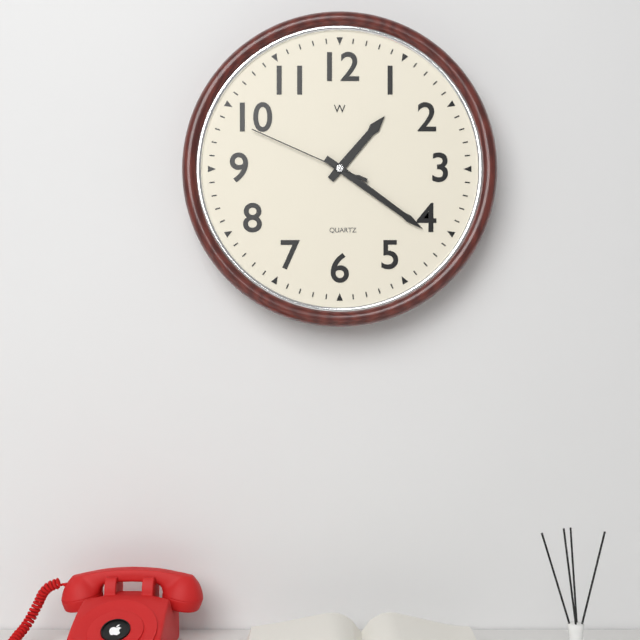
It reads **1:21:49**
